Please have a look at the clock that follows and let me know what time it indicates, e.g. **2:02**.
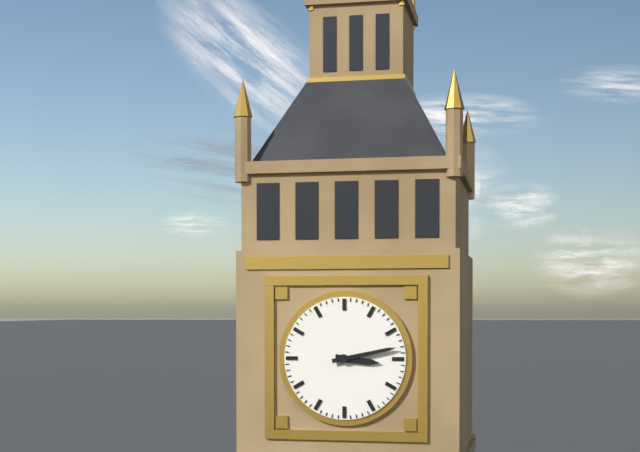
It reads **3:13**
